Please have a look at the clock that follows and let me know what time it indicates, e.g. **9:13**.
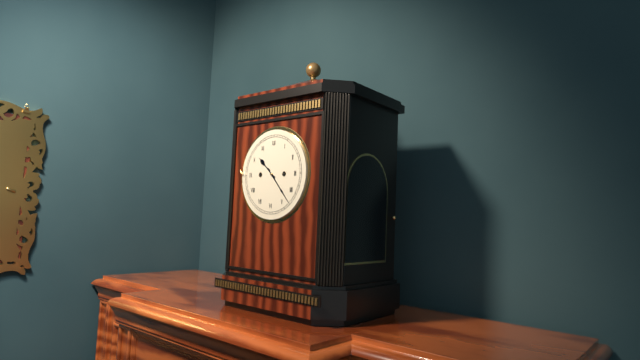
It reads **10:23**
